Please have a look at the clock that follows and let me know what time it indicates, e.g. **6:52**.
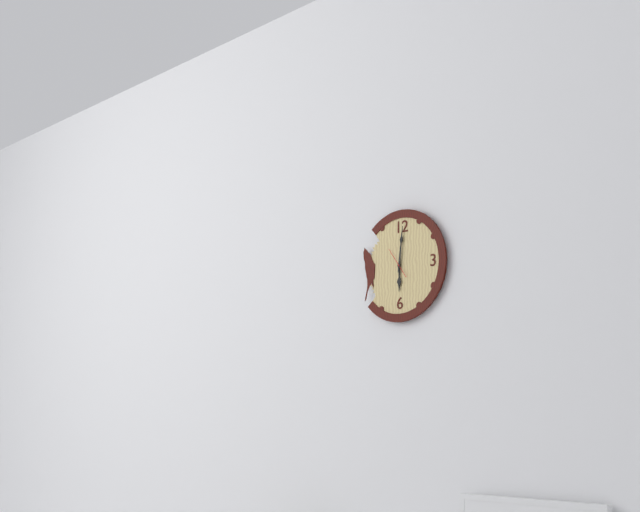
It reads **6:01**
